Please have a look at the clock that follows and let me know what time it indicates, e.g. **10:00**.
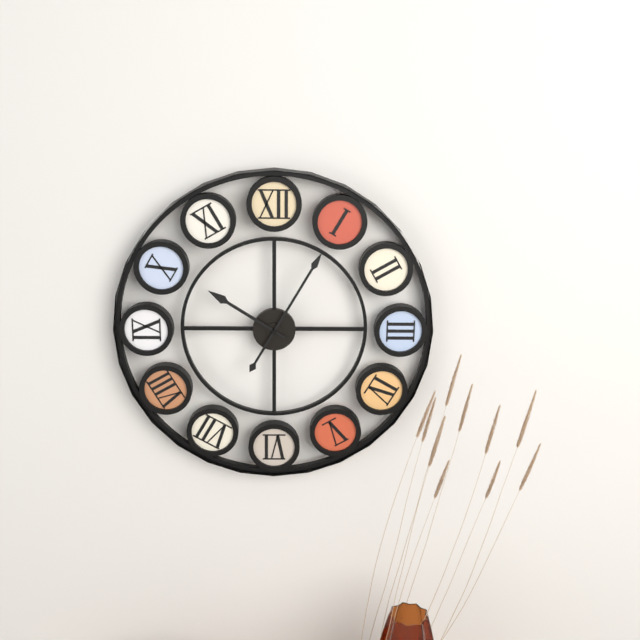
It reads **10:05**
